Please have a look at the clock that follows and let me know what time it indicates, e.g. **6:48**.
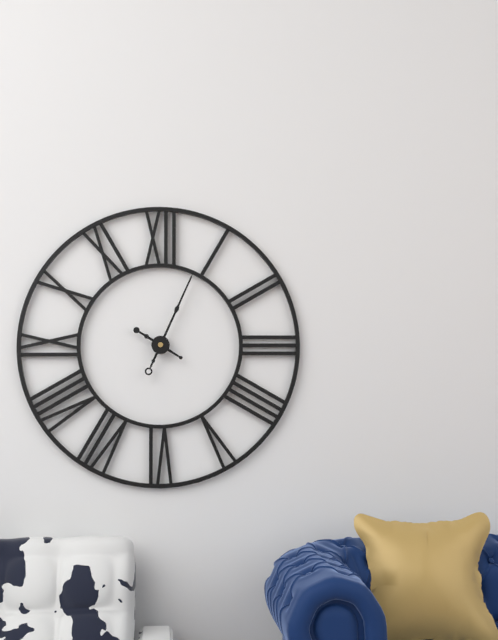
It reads **10:04**
